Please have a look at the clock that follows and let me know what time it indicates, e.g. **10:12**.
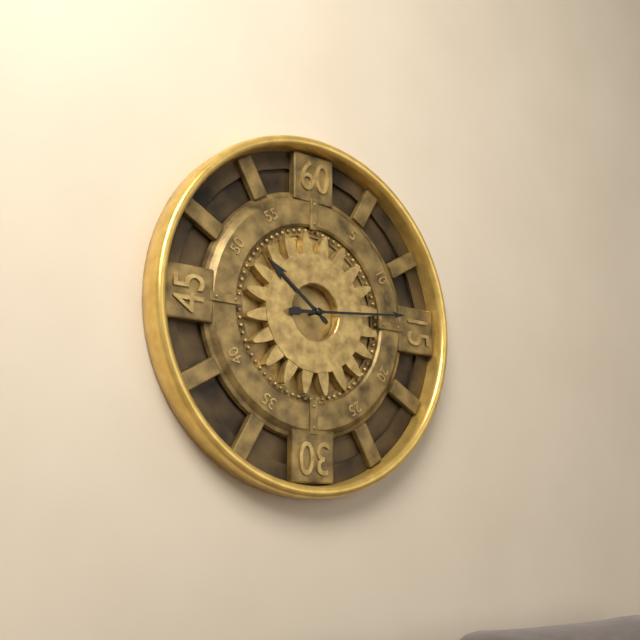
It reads **10:14**
